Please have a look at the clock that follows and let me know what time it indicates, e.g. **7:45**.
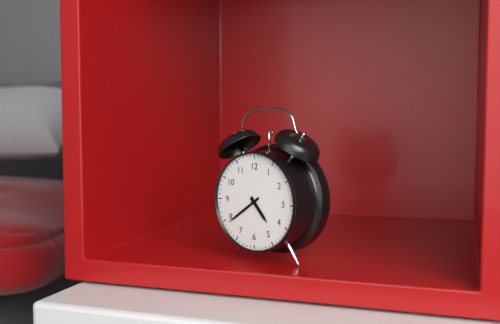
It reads **4:39**
